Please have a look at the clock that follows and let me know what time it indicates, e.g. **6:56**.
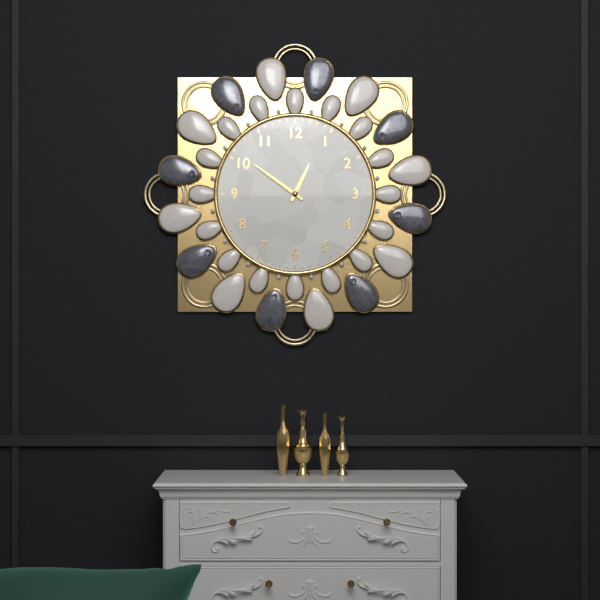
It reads **12:51**
